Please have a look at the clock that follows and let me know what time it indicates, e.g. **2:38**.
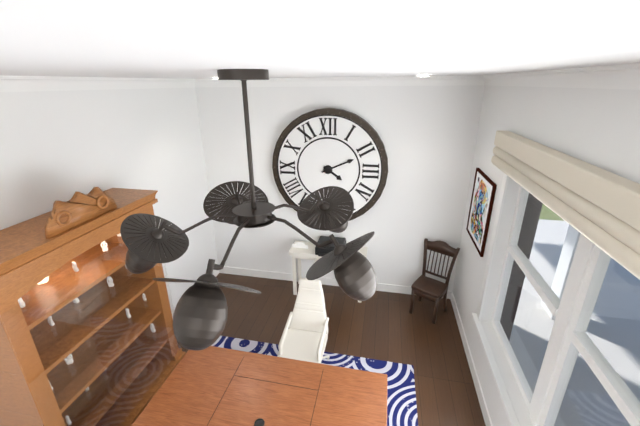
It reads **4:11**
